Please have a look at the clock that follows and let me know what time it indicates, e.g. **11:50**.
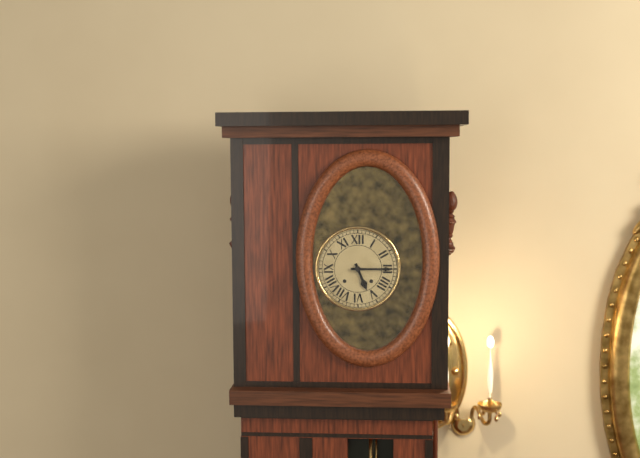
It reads **5:15**
